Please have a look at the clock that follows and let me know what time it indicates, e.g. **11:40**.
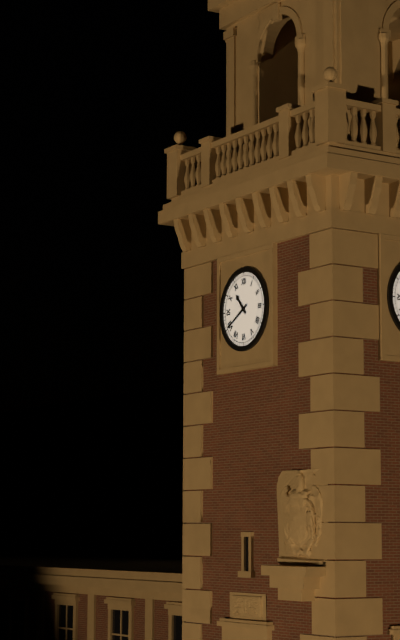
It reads **10:40**
